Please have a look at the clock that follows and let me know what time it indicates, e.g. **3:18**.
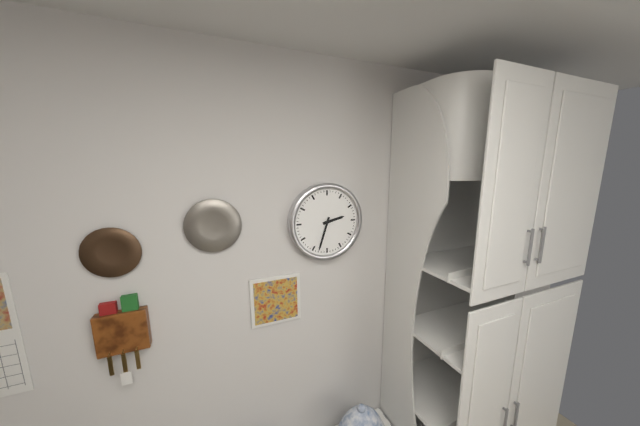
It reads **2:33**
